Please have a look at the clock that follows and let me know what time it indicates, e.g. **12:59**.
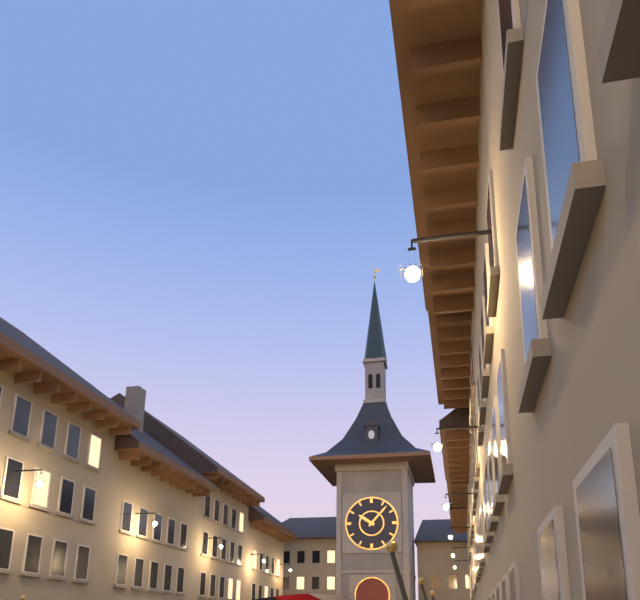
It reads **10:07**
